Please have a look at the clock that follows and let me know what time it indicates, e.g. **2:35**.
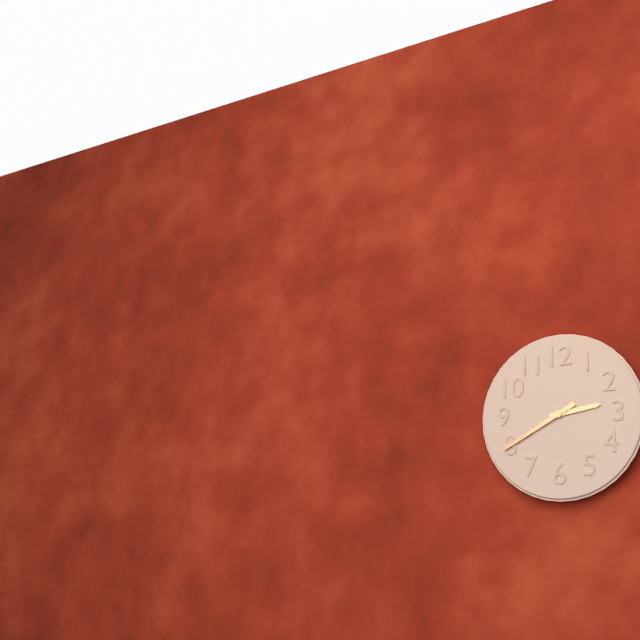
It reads **2:40**
